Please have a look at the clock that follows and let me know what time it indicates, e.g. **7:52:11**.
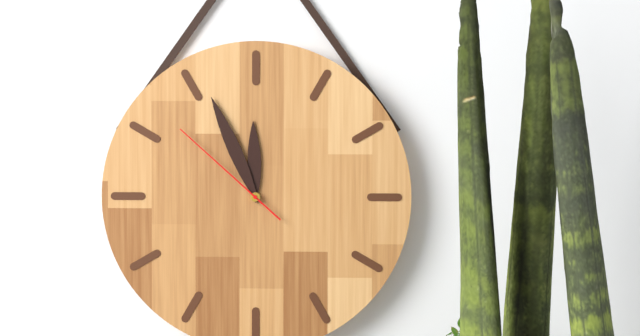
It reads **11:56:52**
